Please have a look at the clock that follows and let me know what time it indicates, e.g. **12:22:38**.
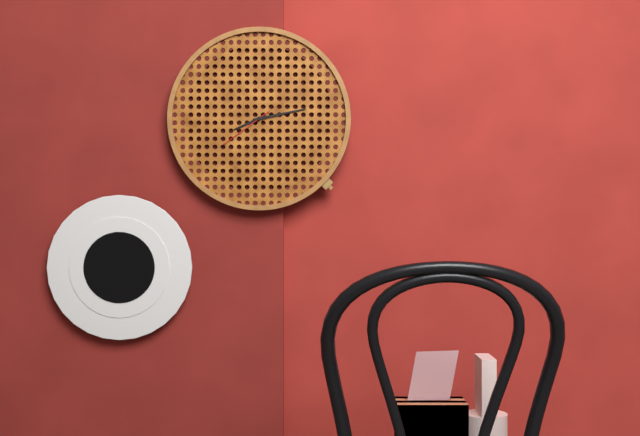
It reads **8:13:39**
